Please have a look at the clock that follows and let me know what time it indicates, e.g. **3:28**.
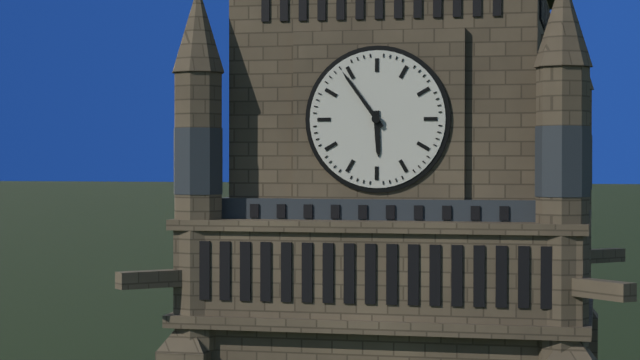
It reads **5:54**
